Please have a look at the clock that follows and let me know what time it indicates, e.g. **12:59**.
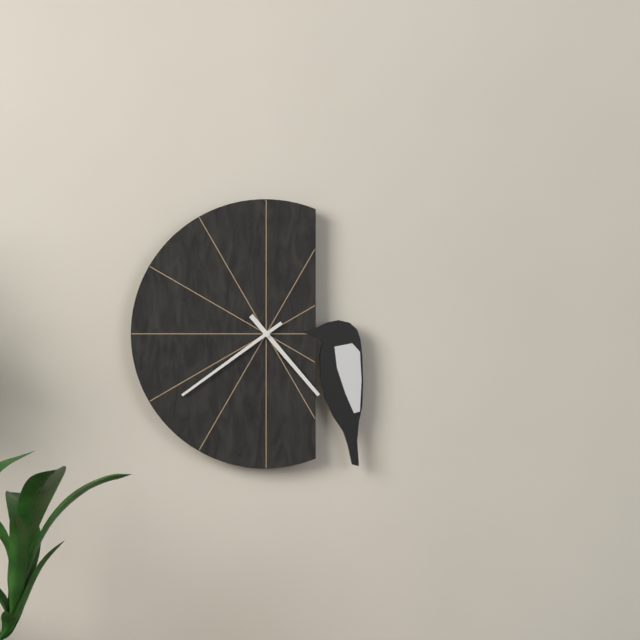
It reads **4:39**
